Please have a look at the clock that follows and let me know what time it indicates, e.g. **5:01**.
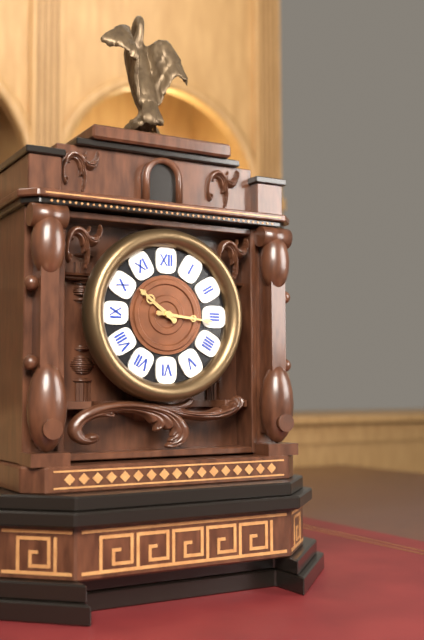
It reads **10:16**
